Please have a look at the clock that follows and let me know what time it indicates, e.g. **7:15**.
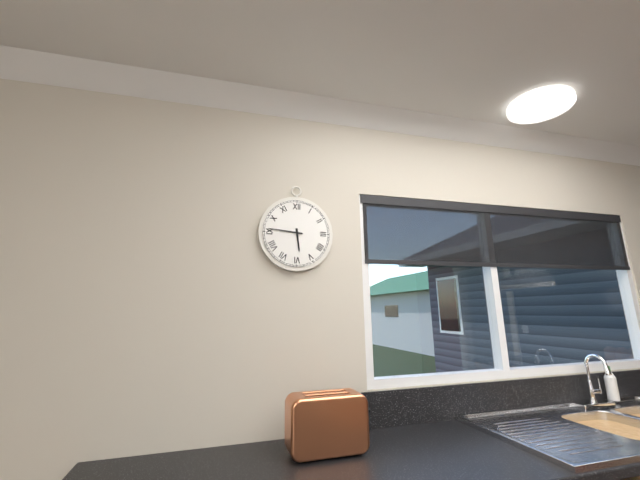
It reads **5:46**
